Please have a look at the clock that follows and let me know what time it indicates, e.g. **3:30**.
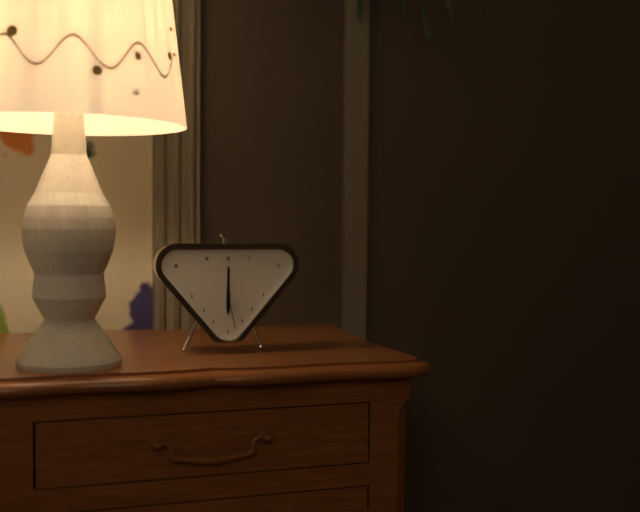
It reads **6:00**
